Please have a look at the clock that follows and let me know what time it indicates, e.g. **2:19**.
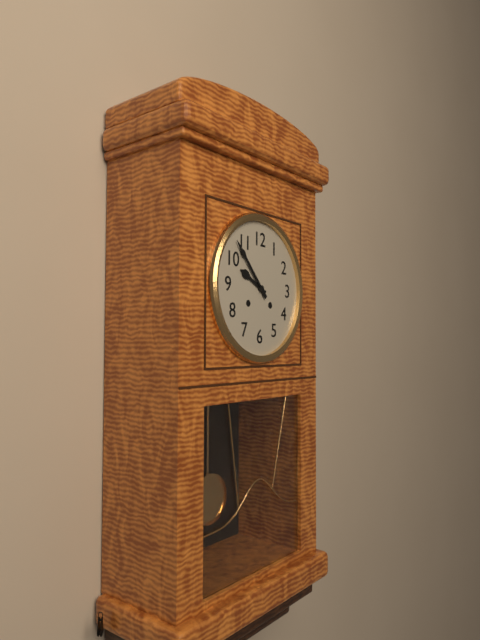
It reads **9:53**
